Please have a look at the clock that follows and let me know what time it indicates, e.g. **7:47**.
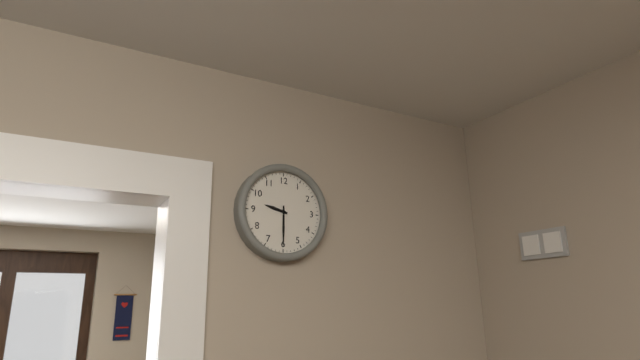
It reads **9:30**
